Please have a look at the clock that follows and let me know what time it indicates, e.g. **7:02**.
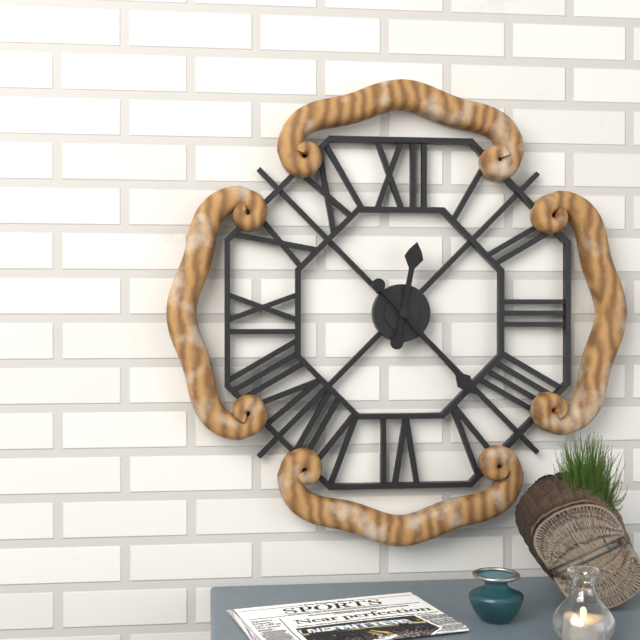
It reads **12:23**
